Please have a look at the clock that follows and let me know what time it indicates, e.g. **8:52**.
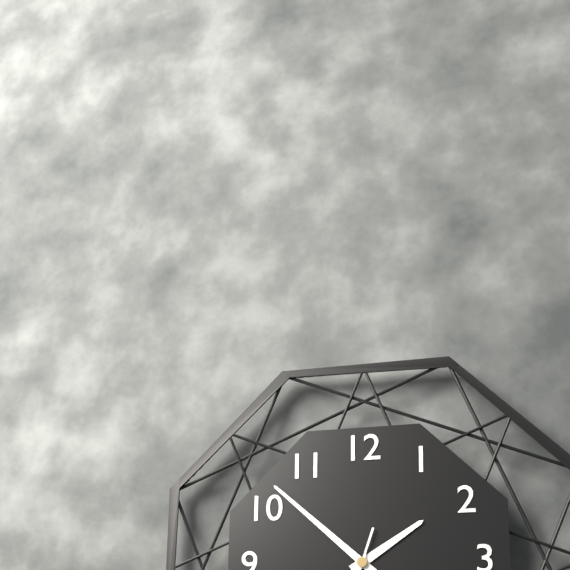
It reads **1:52**
